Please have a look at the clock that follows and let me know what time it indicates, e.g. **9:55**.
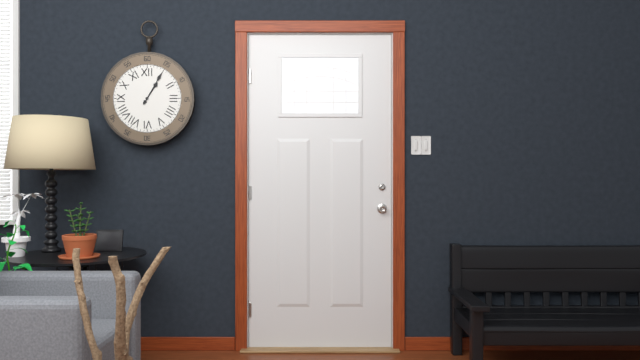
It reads **1:05**
